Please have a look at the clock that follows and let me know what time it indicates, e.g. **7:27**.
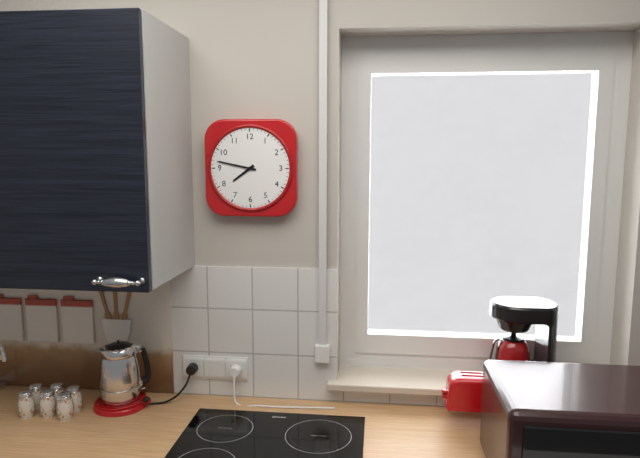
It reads **7:47**
